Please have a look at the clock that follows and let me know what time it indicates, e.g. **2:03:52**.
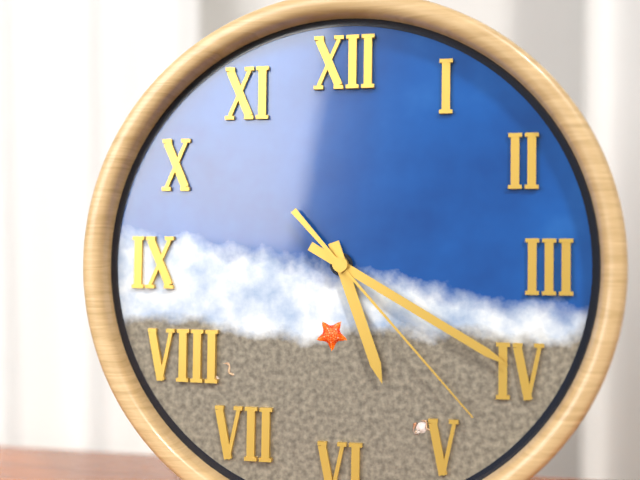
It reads **5:20:23**
